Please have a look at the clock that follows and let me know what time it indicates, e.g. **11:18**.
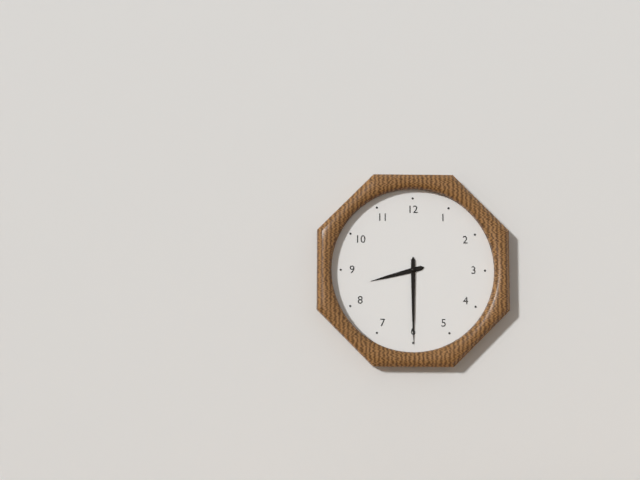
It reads **8:30**
